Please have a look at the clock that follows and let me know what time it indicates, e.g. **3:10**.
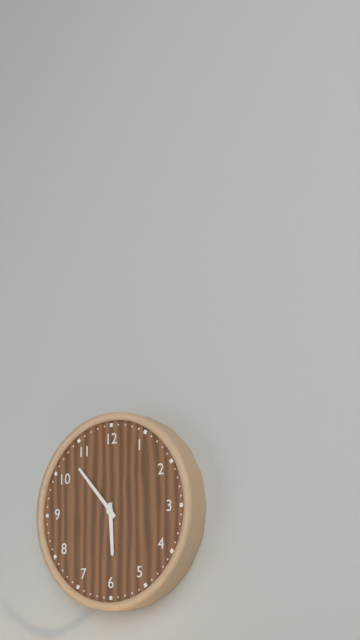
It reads **5:53**
